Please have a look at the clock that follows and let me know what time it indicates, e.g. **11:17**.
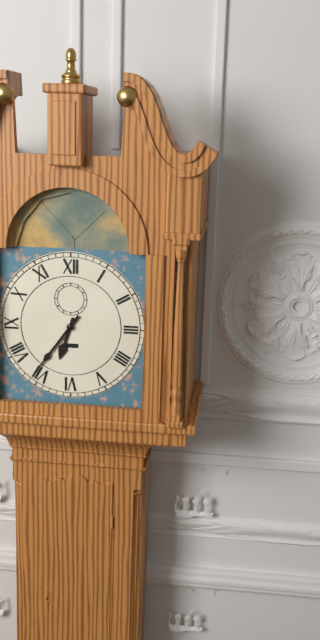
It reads **6:36**
